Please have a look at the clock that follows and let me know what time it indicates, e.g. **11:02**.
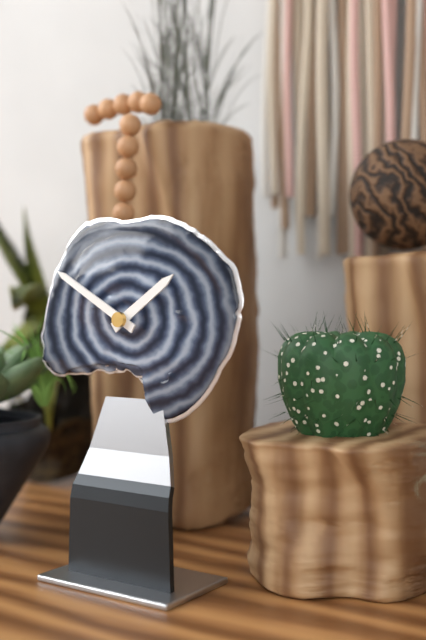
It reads **1:50**
